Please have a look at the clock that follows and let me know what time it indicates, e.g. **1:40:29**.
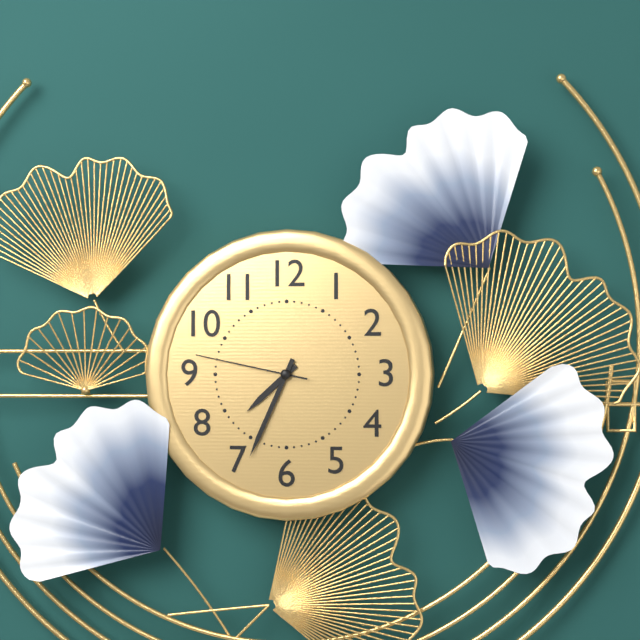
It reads **7:34:47**
